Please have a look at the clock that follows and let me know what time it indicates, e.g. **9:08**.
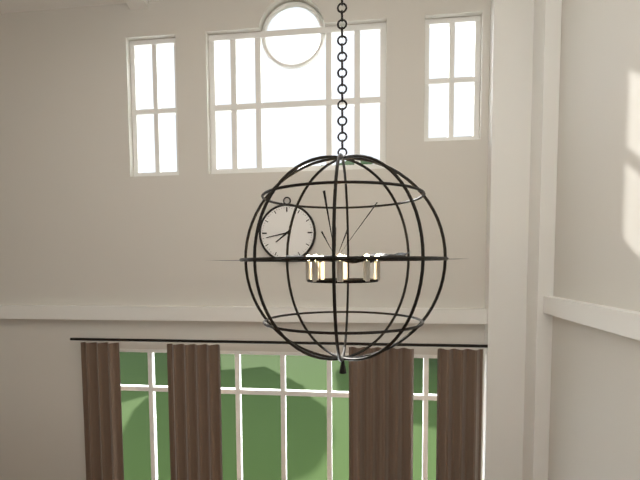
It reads **7:43**
